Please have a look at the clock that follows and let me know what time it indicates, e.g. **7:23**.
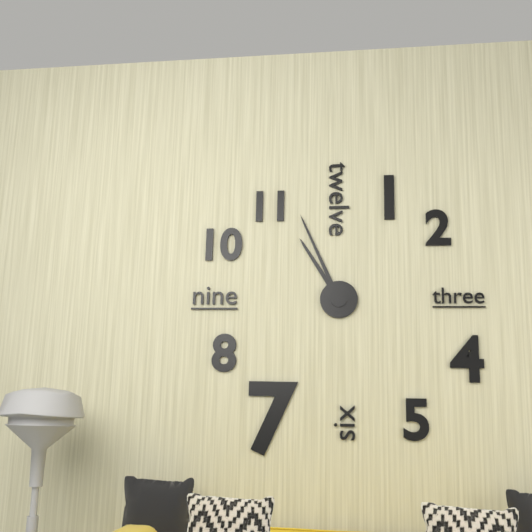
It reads **10:56**
